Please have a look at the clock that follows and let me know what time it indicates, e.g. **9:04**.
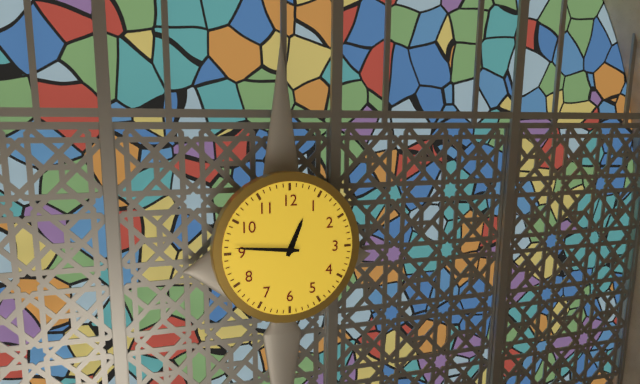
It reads **12:46**
